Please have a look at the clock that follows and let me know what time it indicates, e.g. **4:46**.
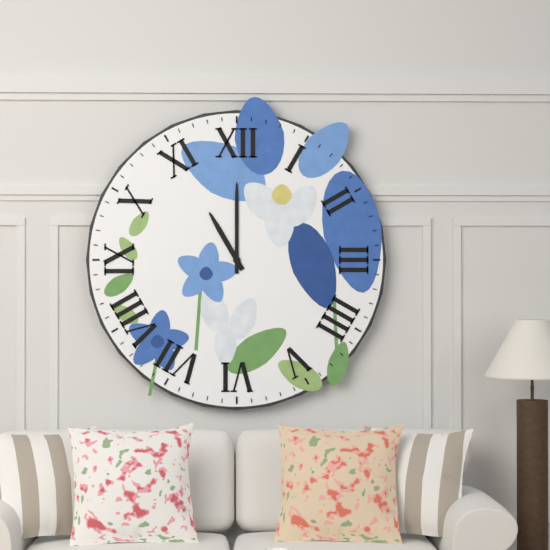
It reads **11:00**
